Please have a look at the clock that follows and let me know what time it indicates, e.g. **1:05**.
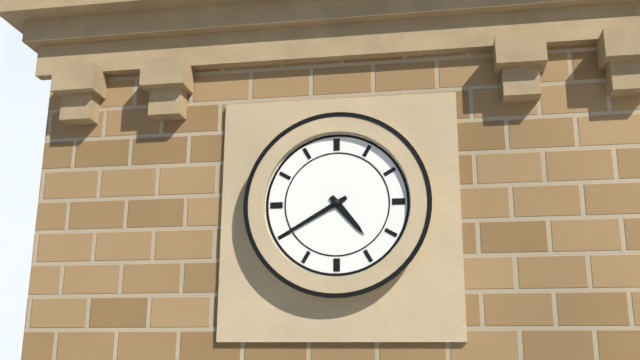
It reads **4:40**
